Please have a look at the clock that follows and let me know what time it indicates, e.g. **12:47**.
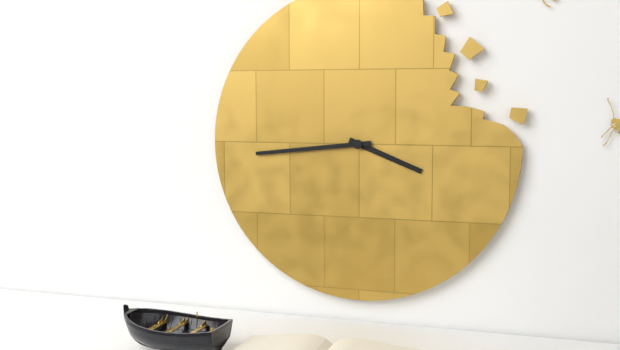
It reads **3:44**
